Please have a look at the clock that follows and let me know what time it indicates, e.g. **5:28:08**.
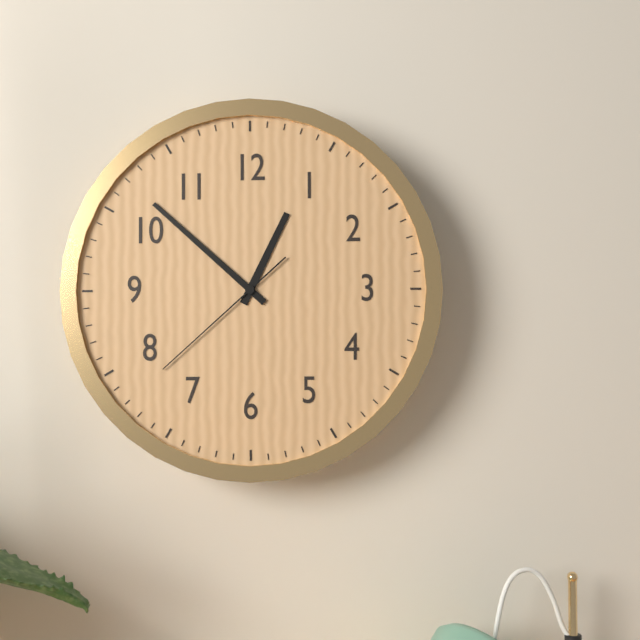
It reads **12:52:38**
